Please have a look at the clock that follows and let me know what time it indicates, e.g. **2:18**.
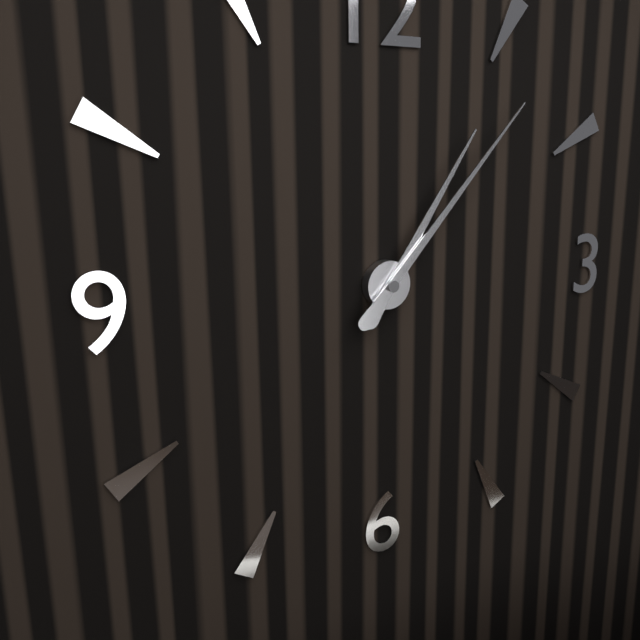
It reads **1:07**
